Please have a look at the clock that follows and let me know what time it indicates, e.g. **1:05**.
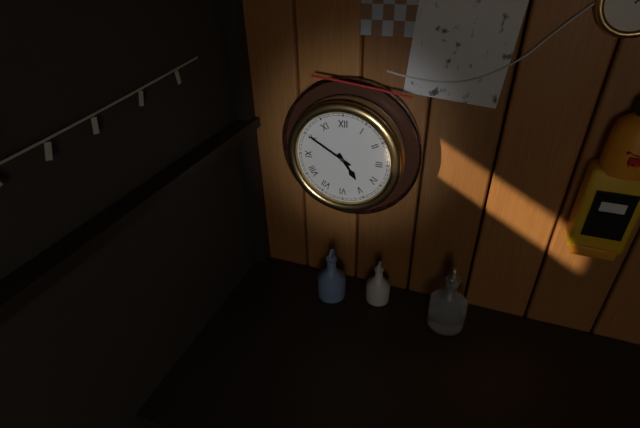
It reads **4:50**
